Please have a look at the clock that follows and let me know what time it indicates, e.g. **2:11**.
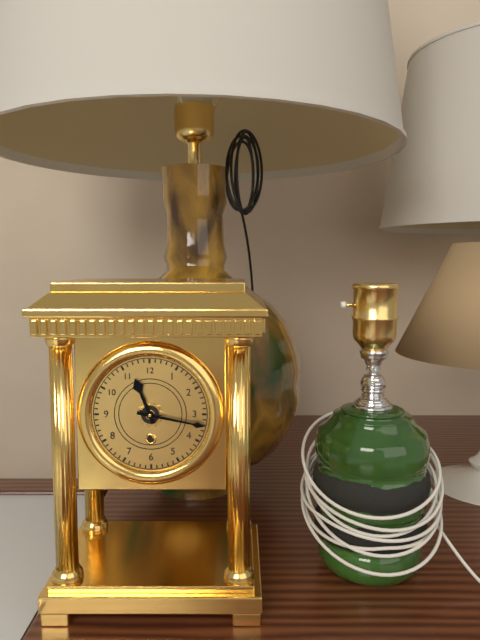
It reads **11:17**
